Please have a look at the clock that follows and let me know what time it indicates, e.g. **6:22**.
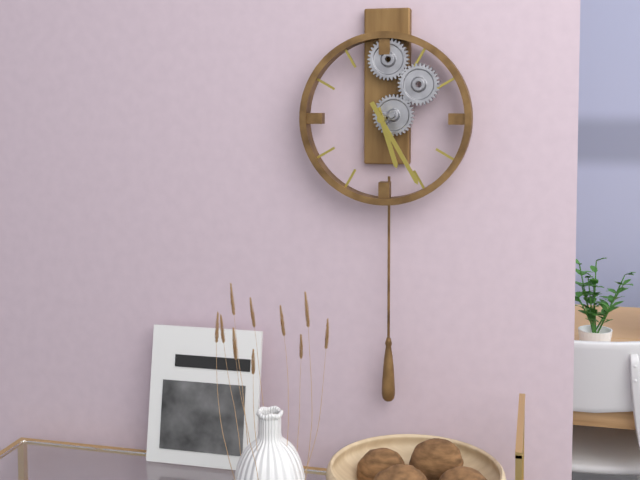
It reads **5:25**
